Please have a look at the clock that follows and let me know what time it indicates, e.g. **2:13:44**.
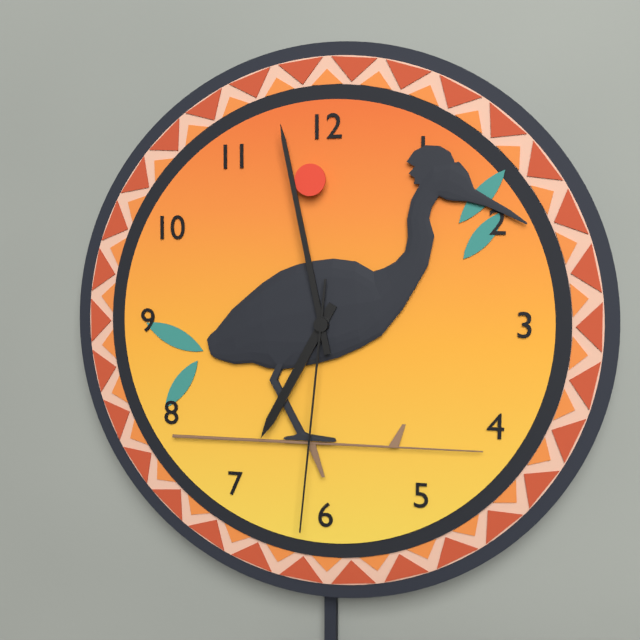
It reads **6:58:31**
